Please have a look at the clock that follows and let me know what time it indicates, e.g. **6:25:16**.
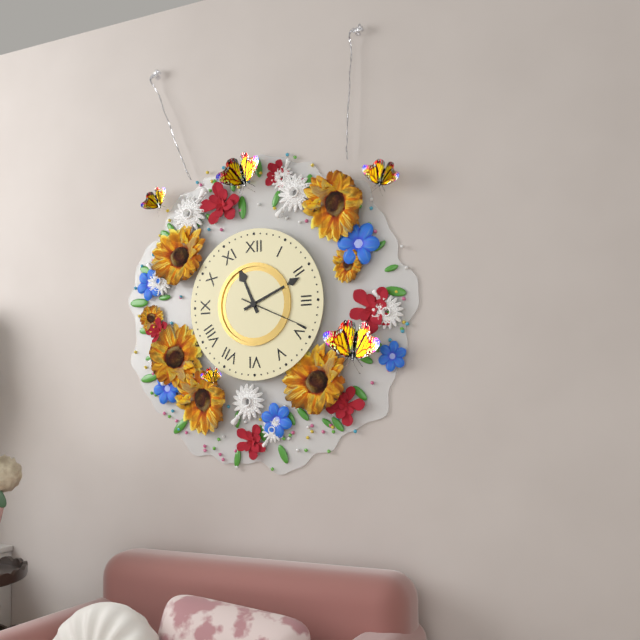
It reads **11:11:19**
